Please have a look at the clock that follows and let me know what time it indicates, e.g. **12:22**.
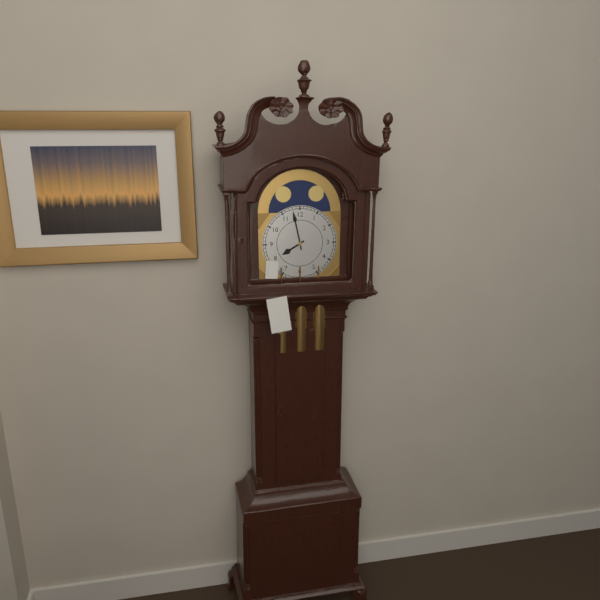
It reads **7:58**
